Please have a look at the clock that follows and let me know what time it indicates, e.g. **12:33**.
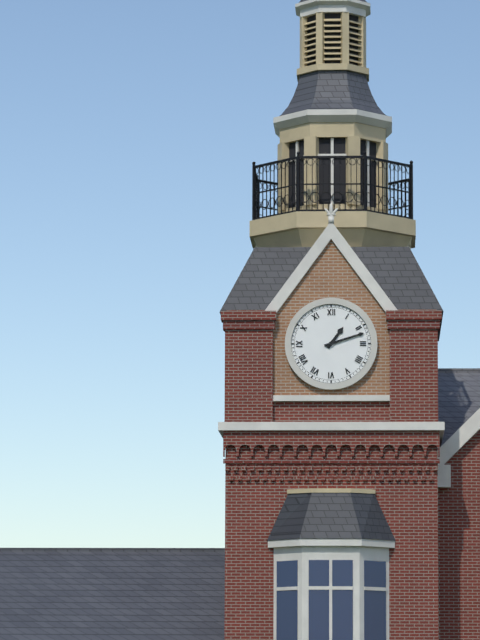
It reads **1:12**
